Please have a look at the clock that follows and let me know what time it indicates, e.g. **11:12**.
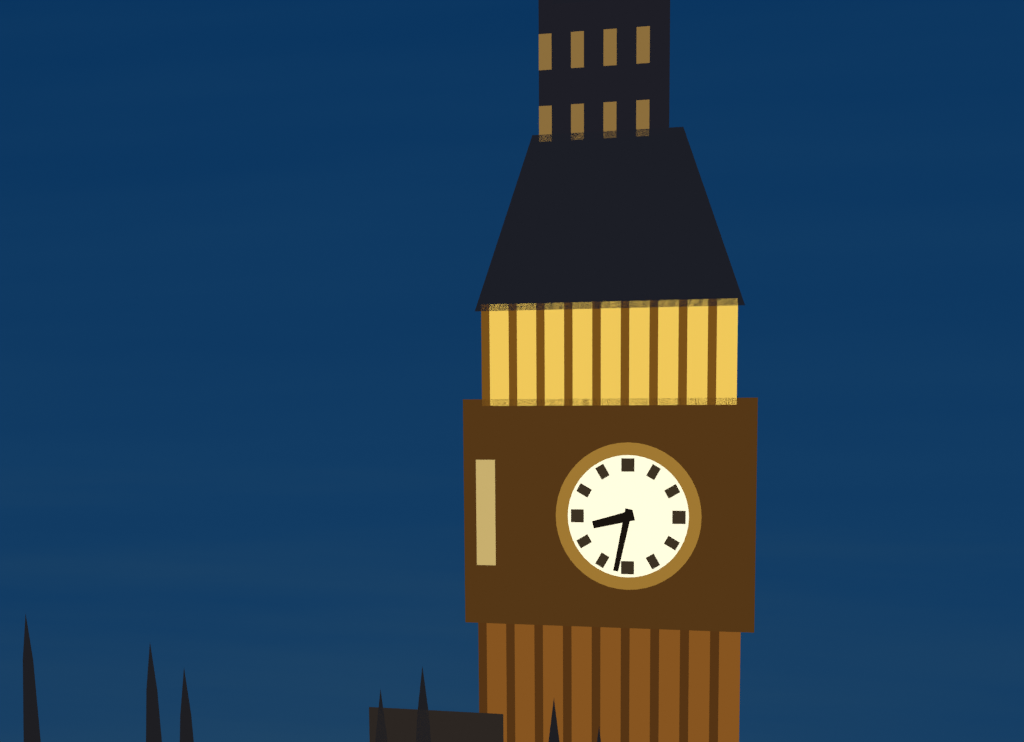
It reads **8:32**
